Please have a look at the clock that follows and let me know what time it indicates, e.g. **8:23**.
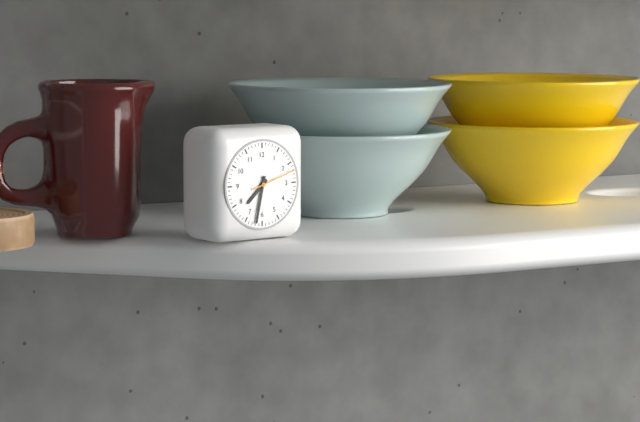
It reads **7:32**
